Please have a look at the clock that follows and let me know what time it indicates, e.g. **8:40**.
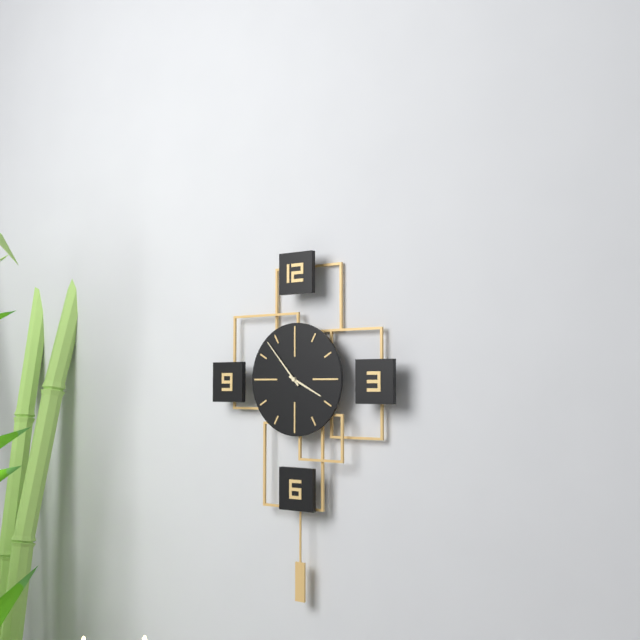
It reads **3:53**
